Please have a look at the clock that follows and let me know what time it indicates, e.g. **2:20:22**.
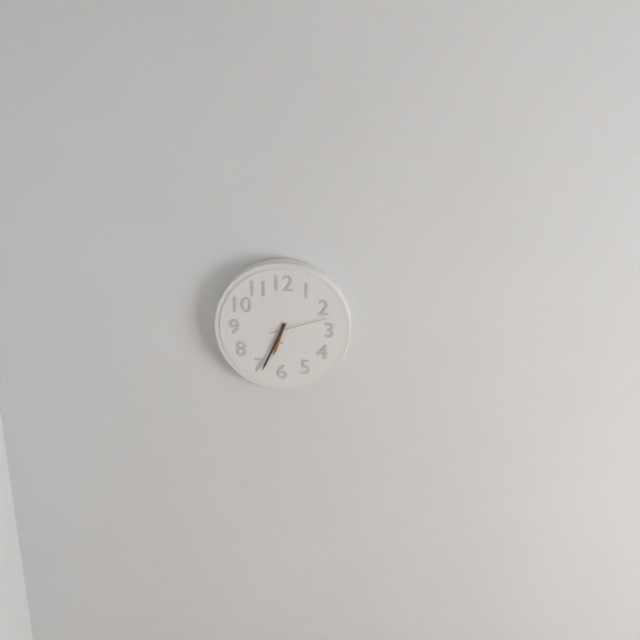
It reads **6:34:12**
